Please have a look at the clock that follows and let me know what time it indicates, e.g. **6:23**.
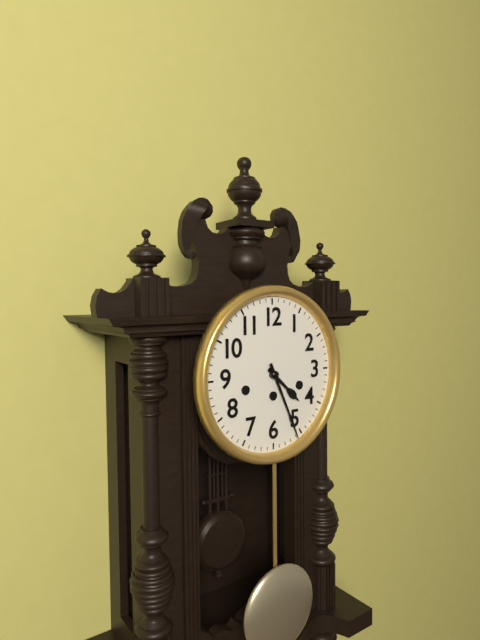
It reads **4:26**
